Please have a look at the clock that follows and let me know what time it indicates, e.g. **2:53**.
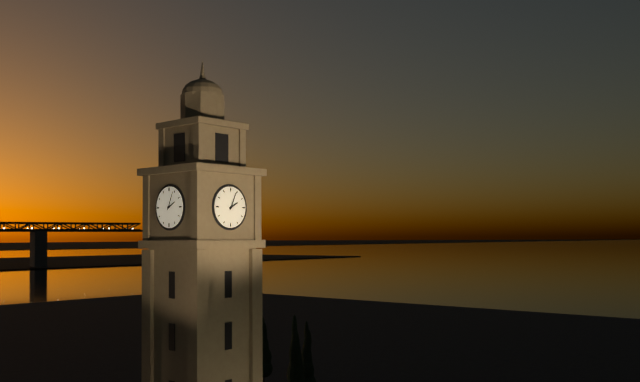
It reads **2:04**
